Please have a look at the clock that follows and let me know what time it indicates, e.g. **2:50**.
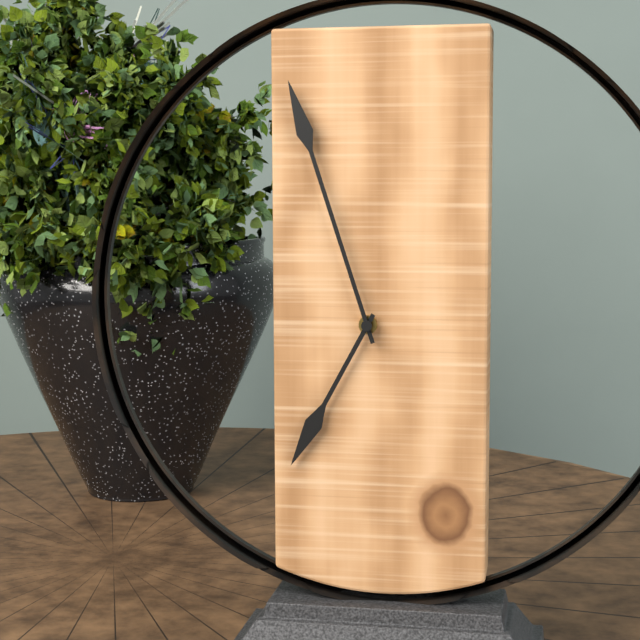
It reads **6:57**
